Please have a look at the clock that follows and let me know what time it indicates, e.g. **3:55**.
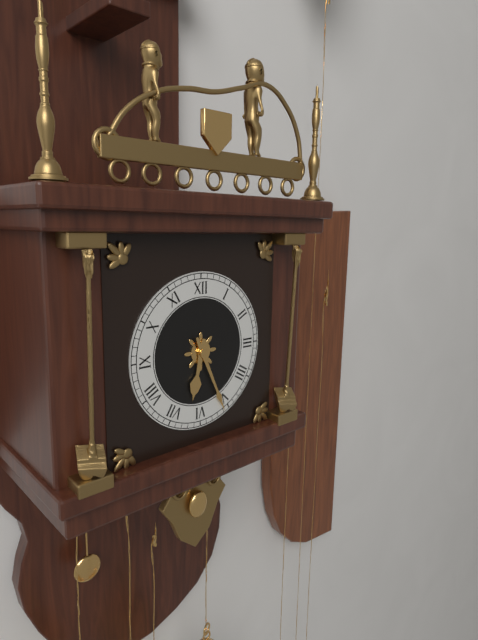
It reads **6:26**
